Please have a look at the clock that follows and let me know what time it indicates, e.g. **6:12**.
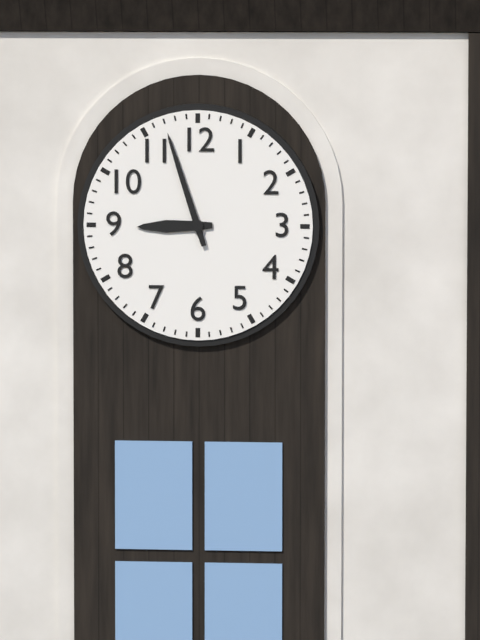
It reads **8:57**
